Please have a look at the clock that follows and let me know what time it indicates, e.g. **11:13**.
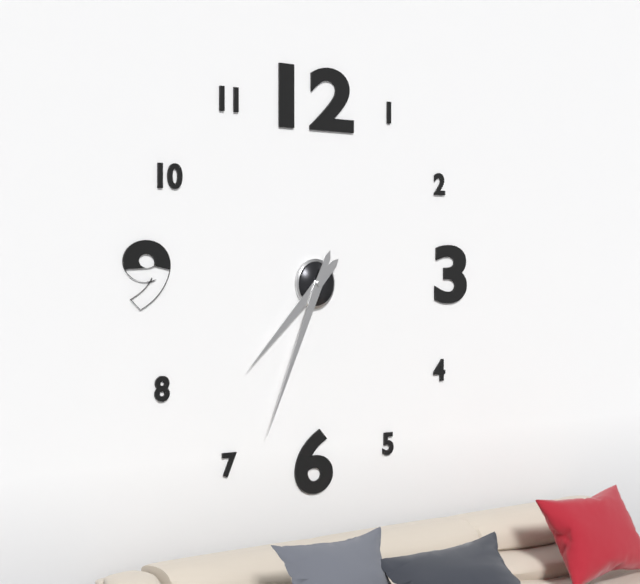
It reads **7:34**
